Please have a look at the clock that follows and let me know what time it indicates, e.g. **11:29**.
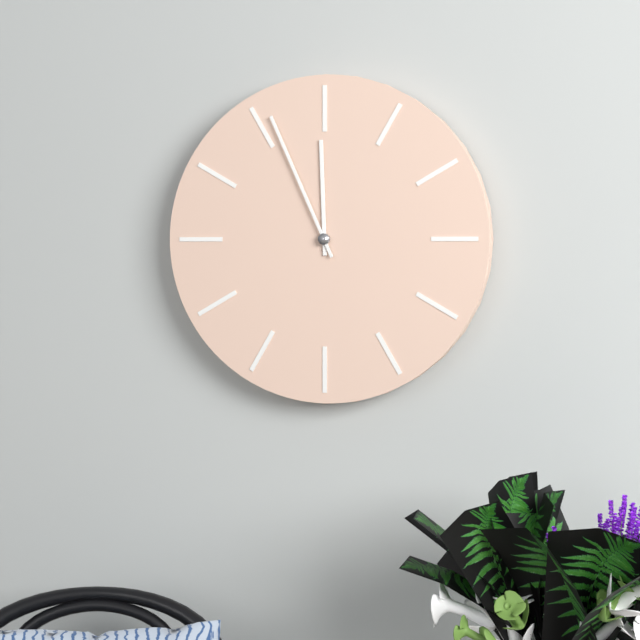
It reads **11:56**
